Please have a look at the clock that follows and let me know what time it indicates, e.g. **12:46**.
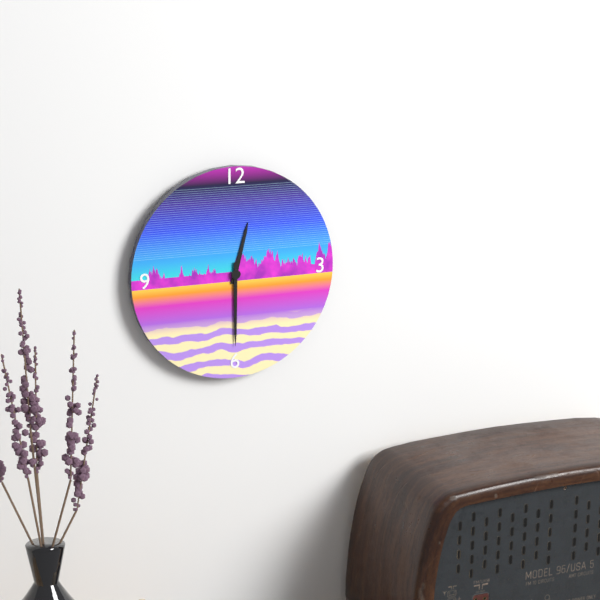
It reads **12:30**
